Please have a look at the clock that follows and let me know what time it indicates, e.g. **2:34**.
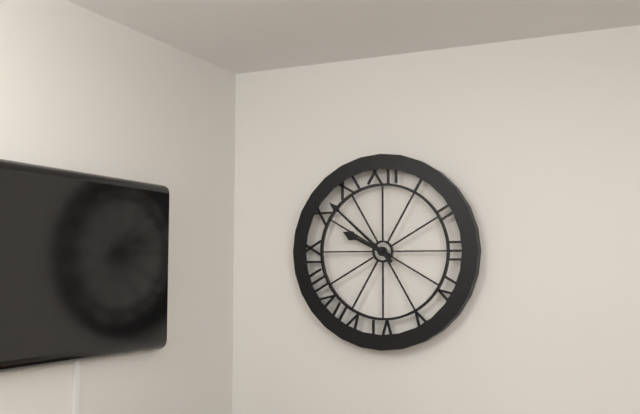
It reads **9:52**
